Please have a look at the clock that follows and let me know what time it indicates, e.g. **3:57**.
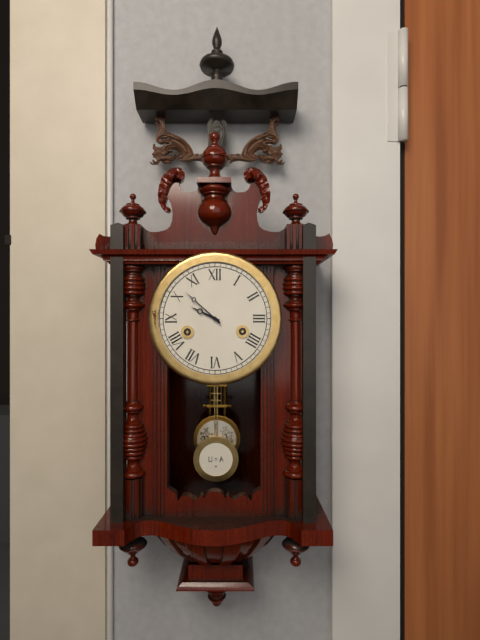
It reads **9:52**
